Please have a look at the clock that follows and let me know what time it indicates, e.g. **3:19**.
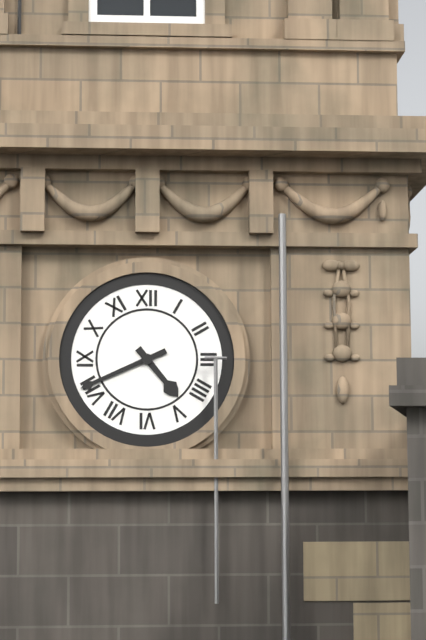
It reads **4:41**
